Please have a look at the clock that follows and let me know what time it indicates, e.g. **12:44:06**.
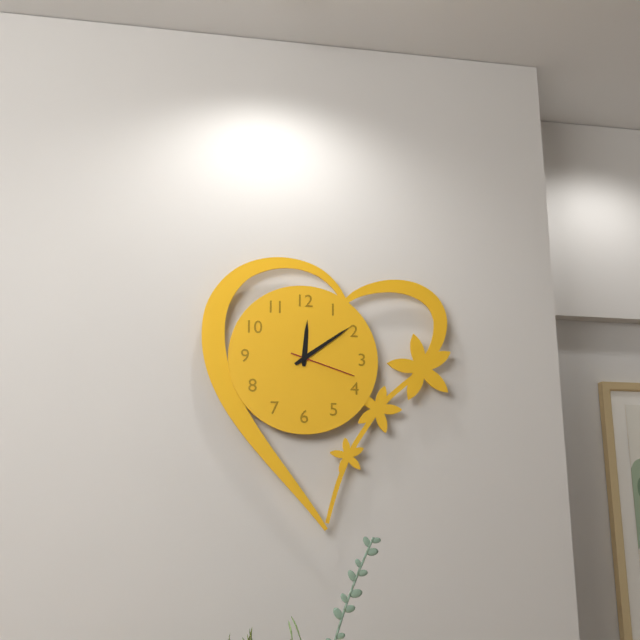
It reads **12:09:18**
